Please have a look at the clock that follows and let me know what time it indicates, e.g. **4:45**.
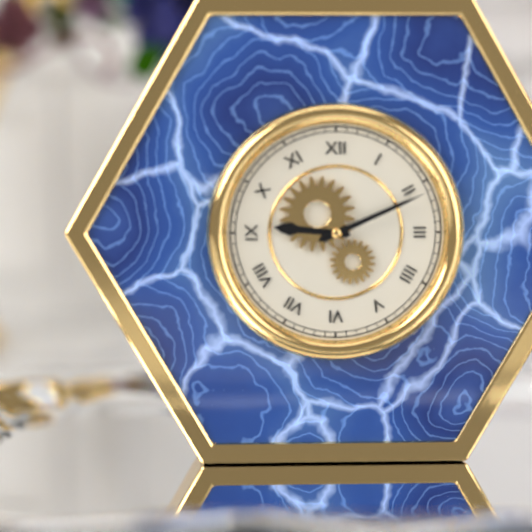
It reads **9:11**
